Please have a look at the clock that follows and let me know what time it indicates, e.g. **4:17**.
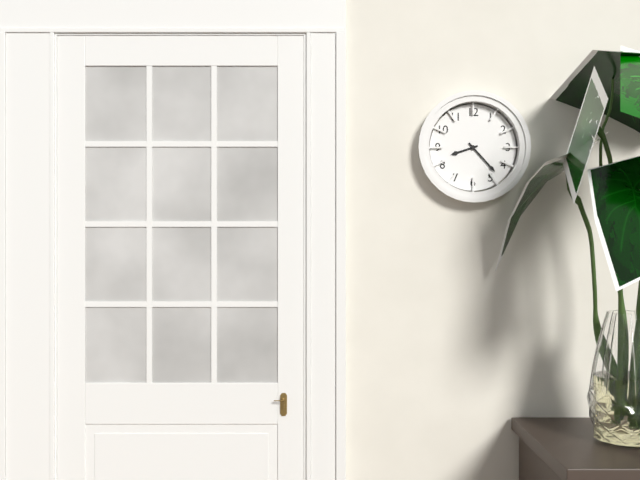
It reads **8:23**
